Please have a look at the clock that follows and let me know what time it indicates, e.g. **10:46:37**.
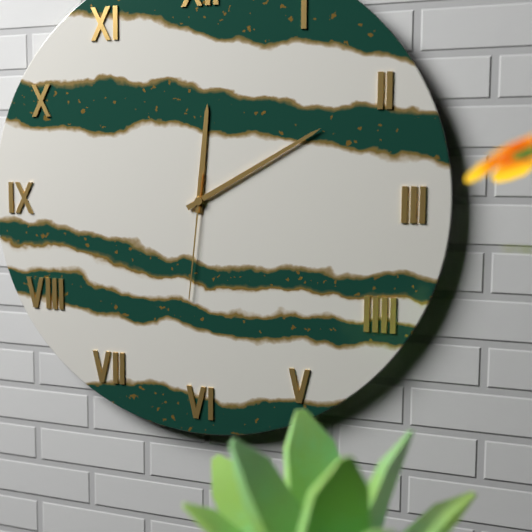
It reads **12:10:31**
